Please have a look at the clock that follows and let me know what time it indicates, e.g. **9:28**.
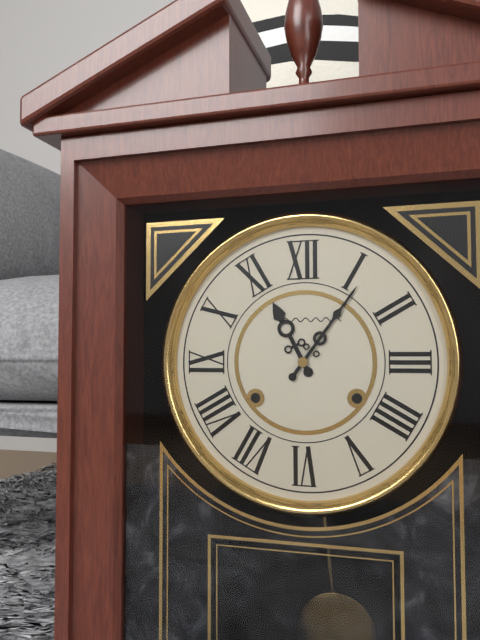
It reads **11:06**
